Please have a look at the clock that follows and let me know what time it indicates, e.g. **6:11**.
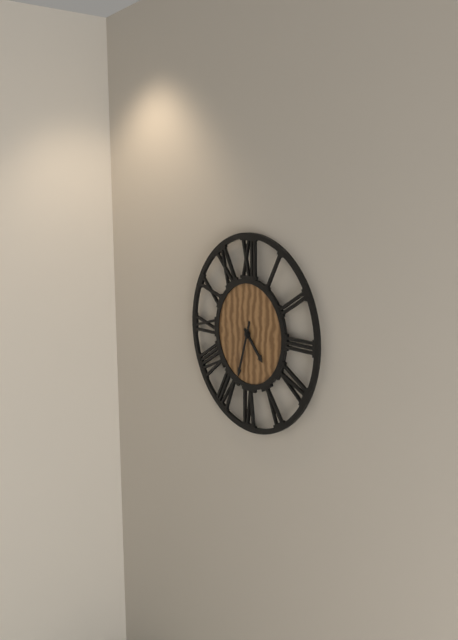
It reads **4:33**
